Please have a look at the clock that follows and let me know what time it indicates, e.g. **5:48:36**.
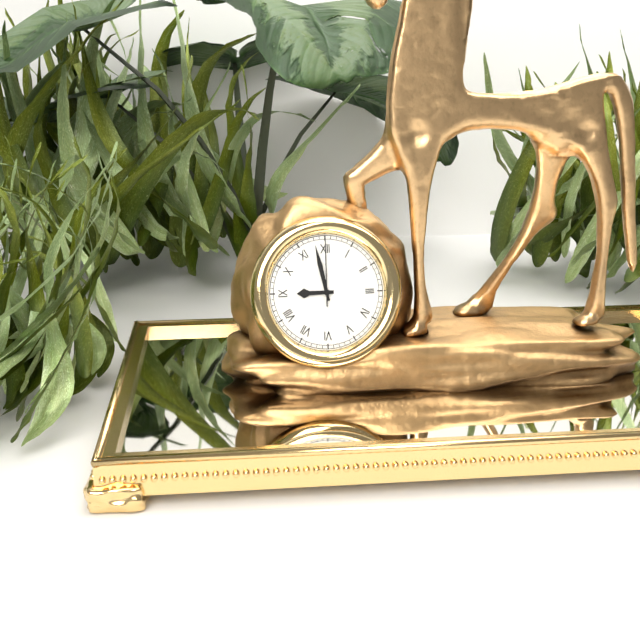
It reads **8:58:00**
